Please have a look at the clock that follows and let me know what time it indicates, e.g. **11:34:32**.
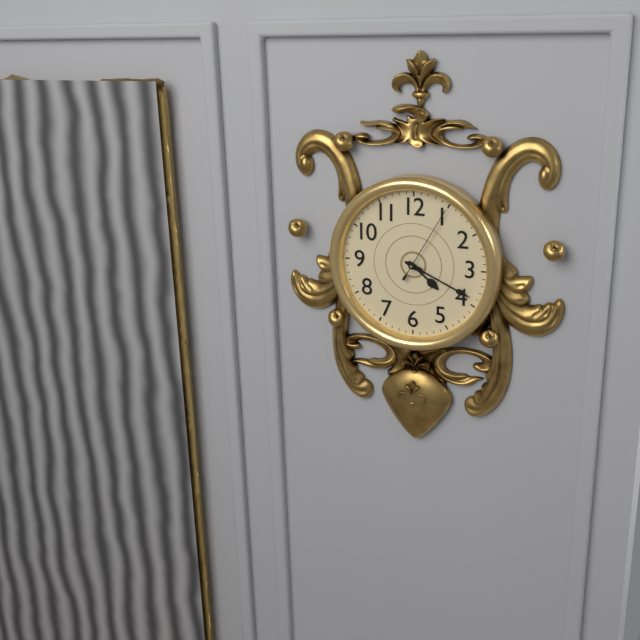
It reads **4:19:05**
